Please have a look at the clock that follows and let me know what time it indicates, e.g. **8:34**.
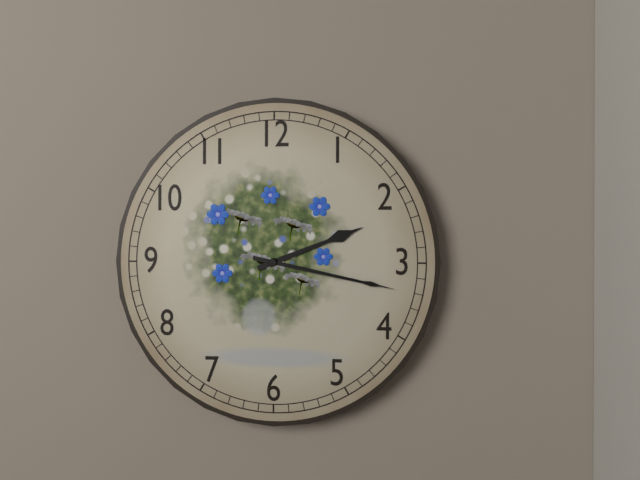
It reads **2:17**
